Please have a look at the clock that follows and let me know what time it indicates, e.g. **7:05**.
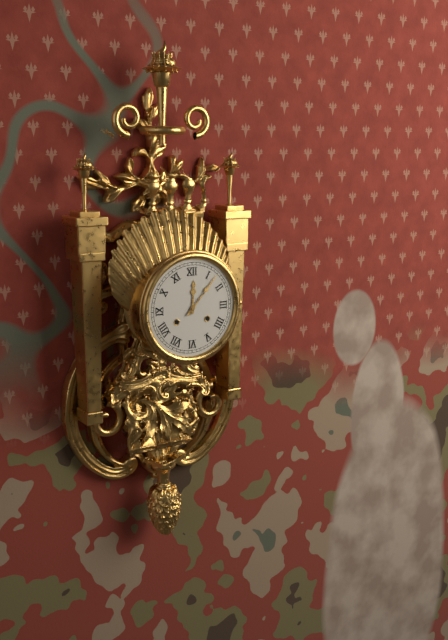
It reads **12:07**
